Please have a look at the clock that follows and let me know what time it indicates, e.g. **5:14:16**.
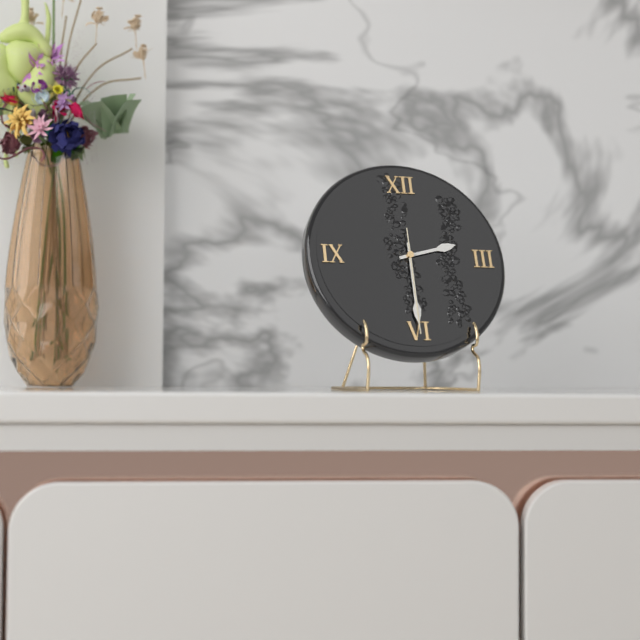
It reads **2:30:30**
